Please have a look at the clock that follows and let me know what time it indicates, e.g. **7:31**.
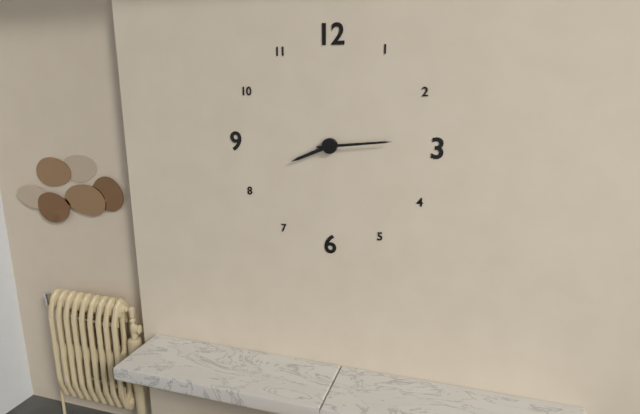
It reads **8:14**
